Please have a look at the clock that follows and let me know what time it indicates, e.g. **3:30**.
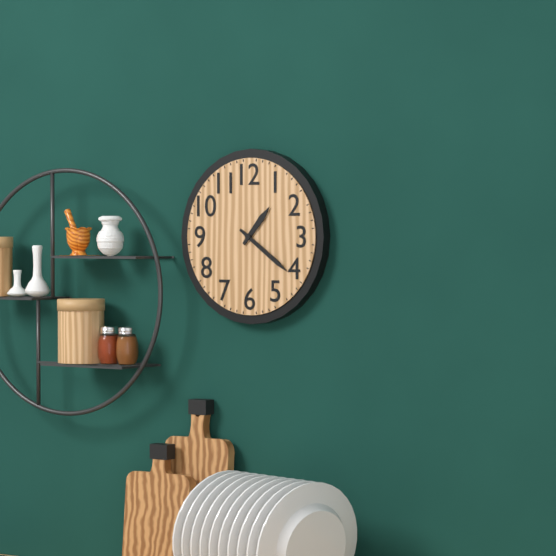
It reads **1:21**
